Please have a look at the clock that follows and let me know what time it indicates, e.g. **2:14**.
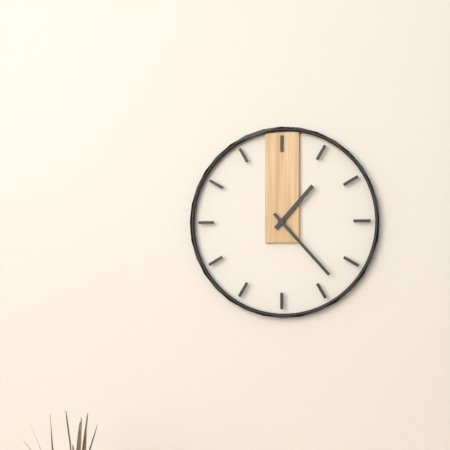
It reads **1:23**
